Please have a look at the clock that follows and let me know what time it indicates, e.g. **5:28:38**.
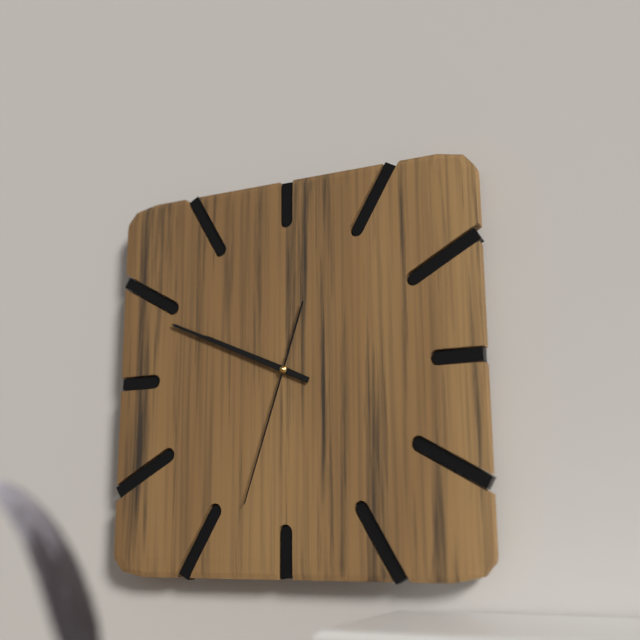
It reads **9:49:33**
